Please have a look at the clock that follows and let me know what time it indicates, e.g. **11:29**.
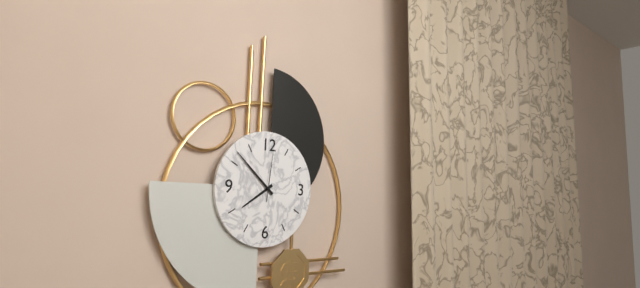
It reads **7:52**
